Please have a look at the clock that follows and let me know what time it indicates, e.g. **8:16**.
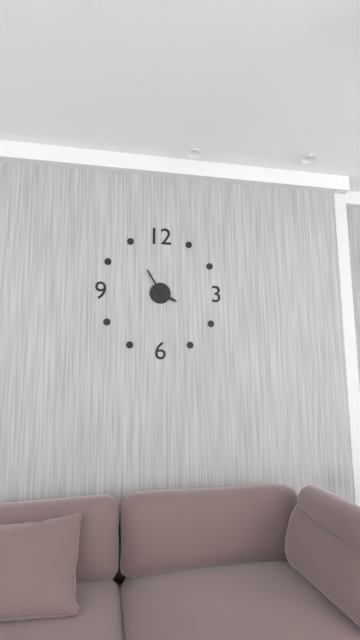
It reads **3:55**
